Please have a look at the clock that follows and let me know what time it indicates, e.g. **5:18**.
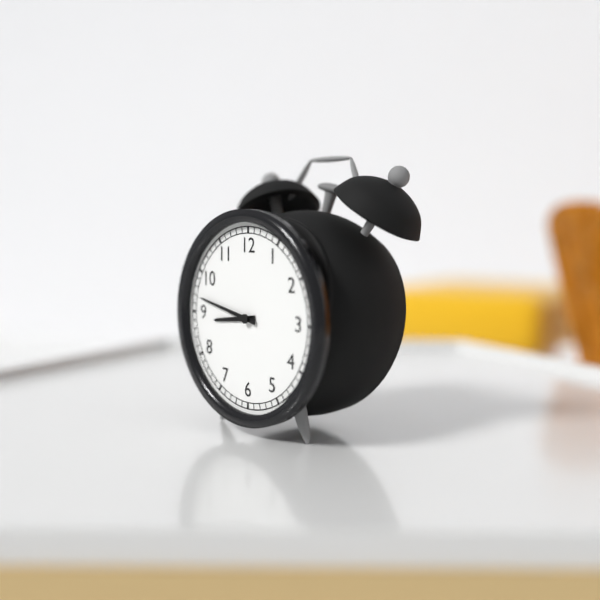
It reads **8:47**
